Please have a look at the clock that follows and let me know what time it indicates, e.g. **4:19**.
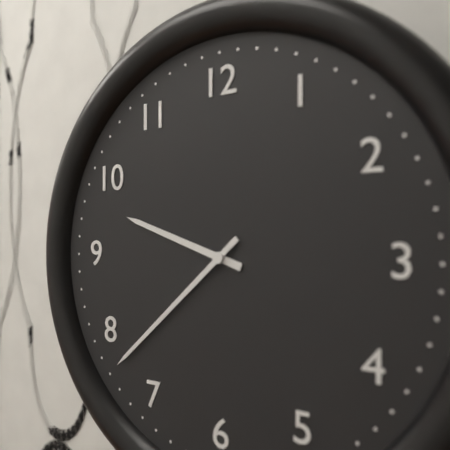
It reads **9:38**
